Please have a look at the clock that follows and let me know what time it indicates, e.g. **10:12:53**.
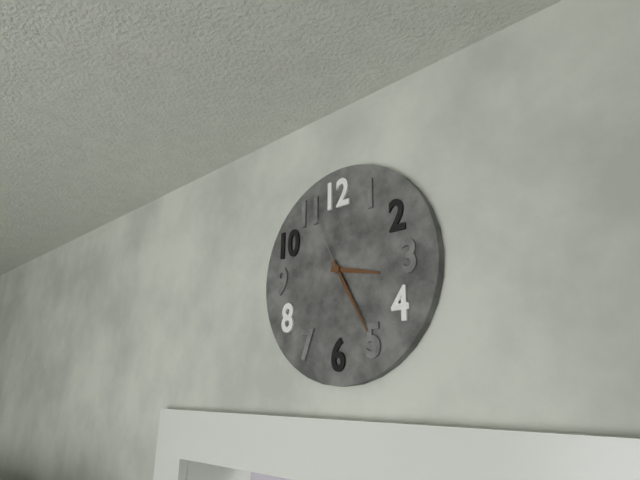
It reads **3:25:56**
